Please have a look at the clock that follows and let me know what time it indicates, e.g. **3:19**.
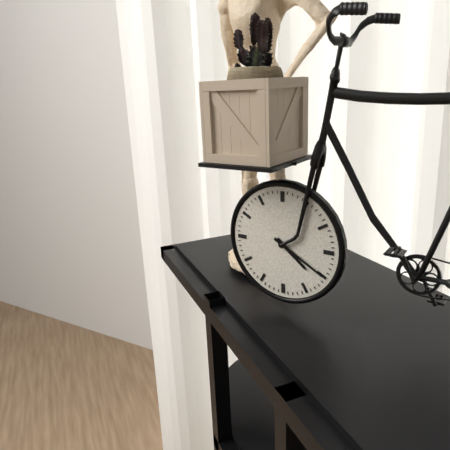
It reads **4:20**
